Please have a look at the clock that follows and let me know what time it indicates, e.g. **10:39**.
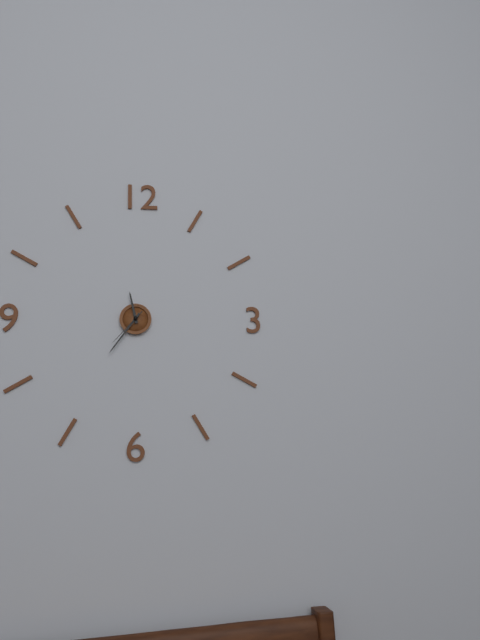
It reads **11:36**
